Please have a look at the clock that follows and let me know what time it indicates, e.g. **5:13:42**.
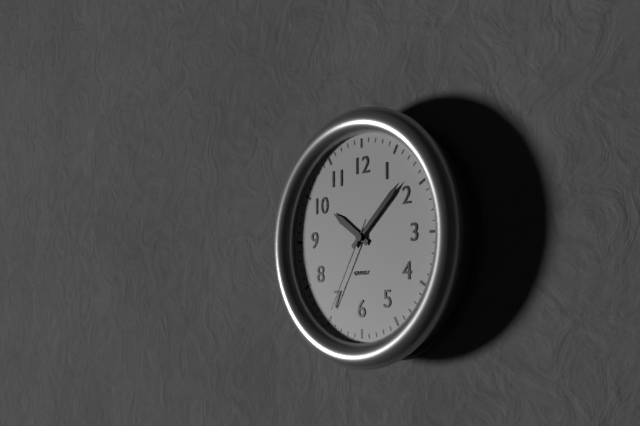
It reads **10:08:35**
